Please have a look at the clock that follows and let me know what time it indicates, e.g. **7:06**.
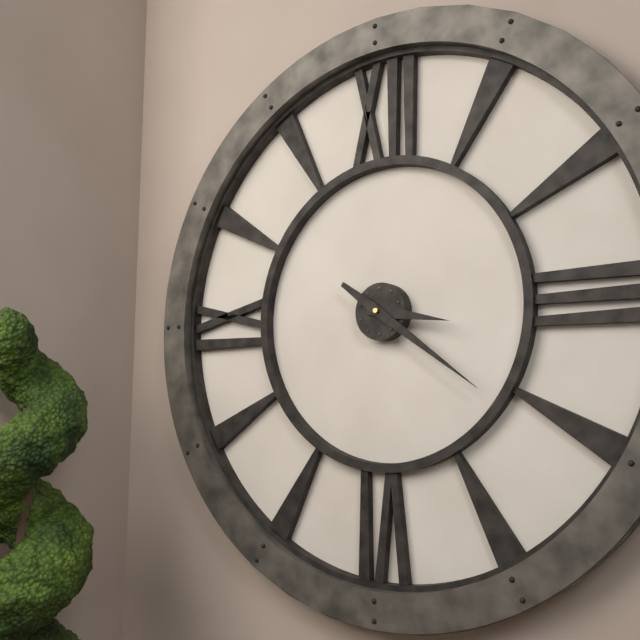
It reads **3:21**
